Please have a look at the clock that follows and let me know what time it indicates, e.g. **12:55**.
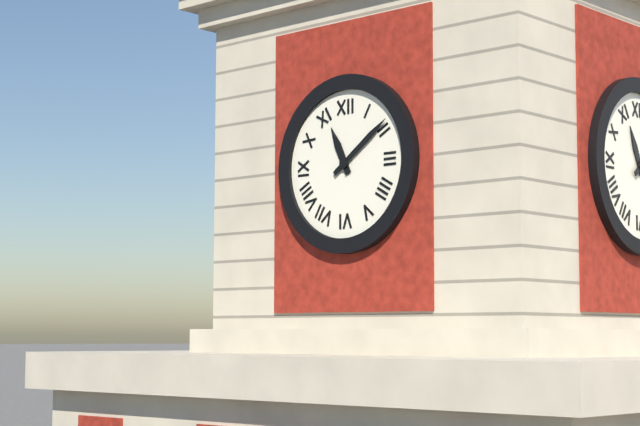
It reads **11:09**
